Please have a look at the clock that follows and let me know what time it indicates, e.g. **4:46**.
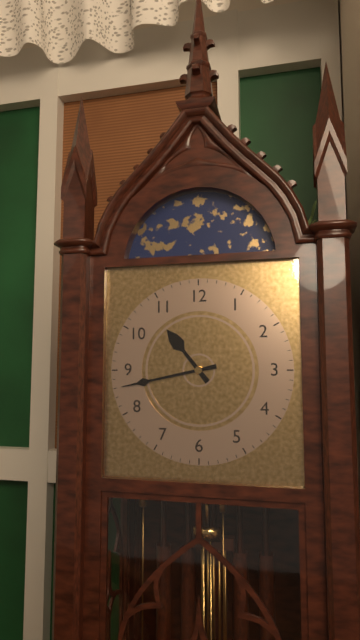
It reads **10:43**
